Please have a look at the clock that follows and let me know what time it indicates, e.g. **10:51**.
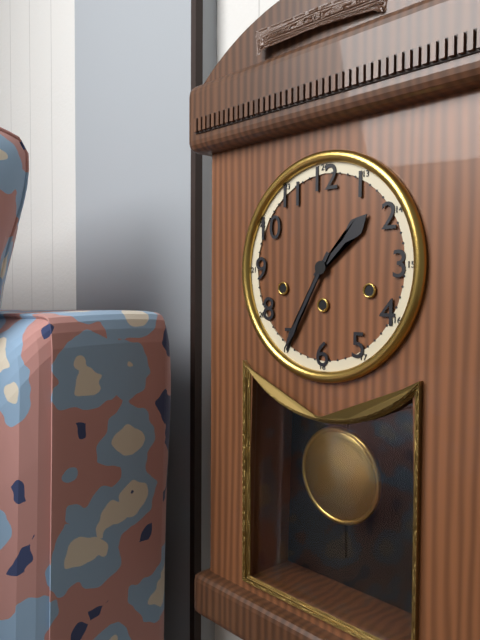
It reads **1:35**
